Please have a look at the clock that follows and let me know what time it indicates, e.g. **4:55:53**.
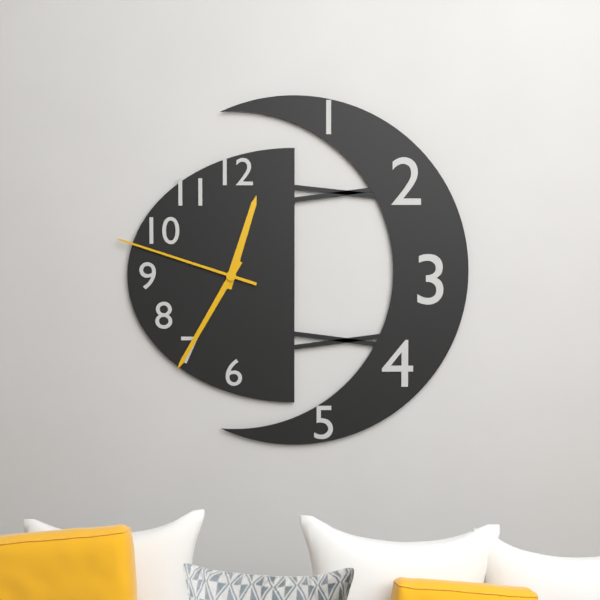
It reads **12:35:48**
